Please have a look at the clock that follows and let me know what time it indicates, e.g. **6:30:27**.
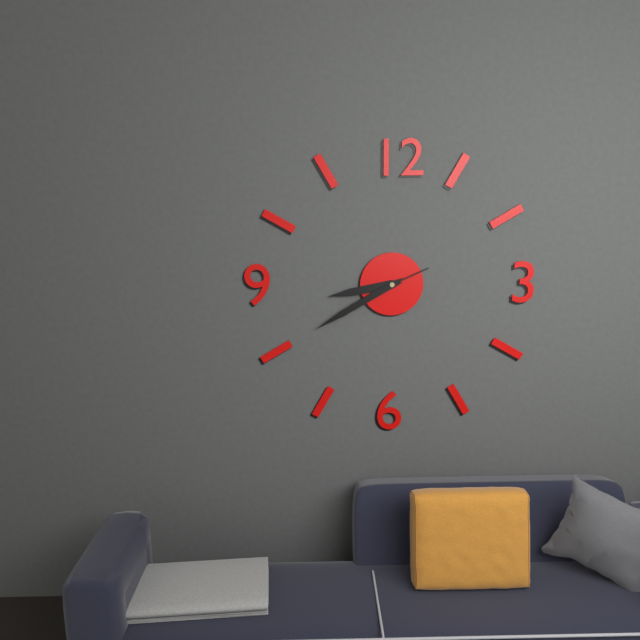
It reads **8:40:11**
